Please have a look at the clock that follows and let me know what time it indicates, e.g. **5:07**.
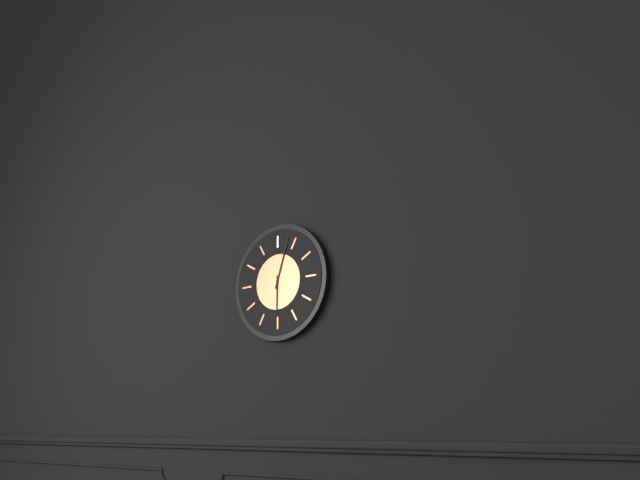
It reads **6:03**
